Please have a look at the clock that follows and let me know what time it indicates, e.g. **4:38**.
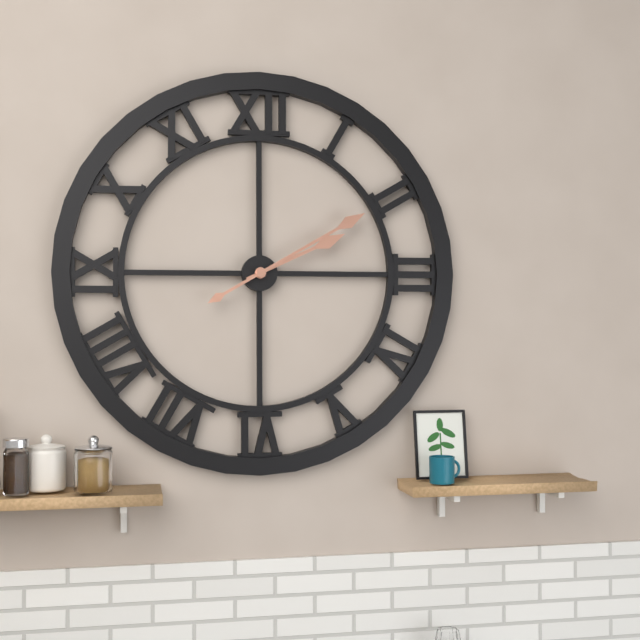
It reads **2:10**
